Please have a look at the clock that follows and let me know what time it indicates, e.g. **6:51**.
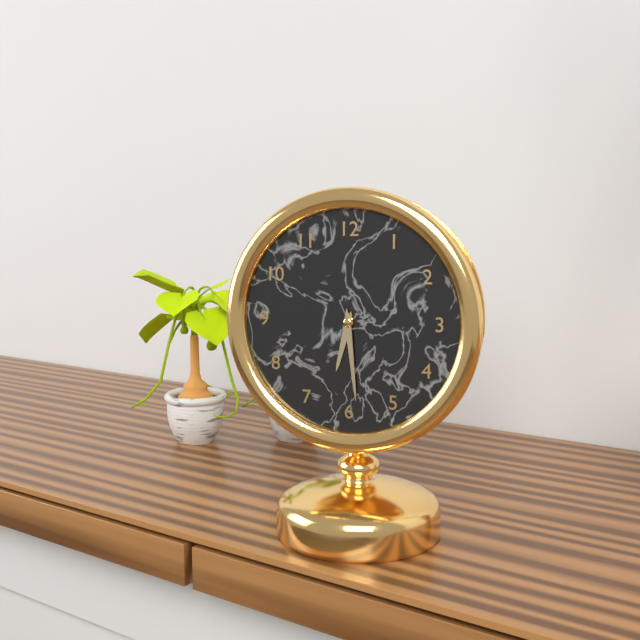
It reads **6:29**
